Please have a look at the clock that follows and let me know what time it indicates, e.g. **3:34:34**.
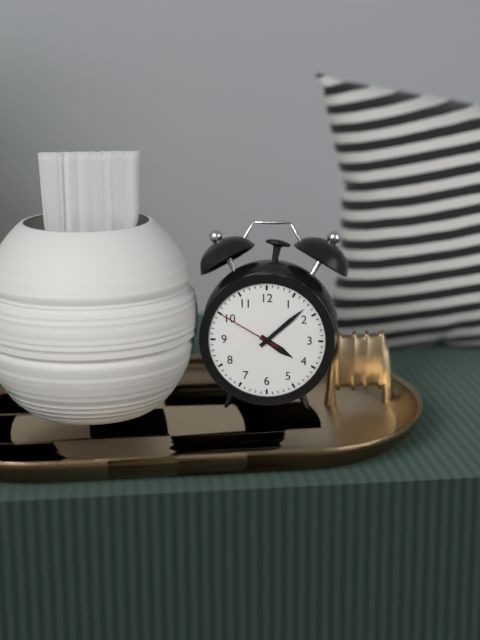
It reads **4:08:50**
